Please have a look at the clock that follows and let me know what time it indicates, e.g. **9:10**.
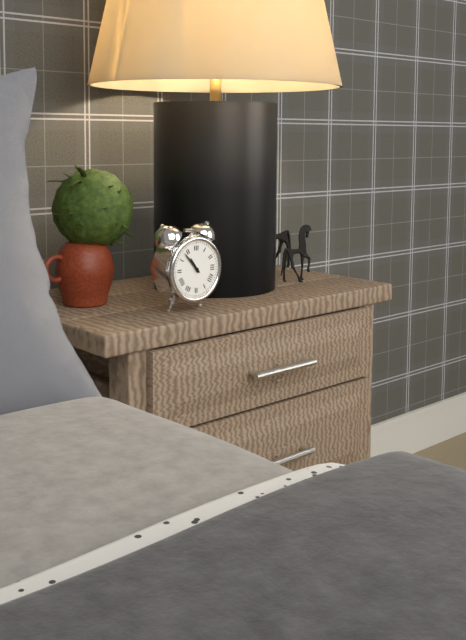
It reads **10:53**
